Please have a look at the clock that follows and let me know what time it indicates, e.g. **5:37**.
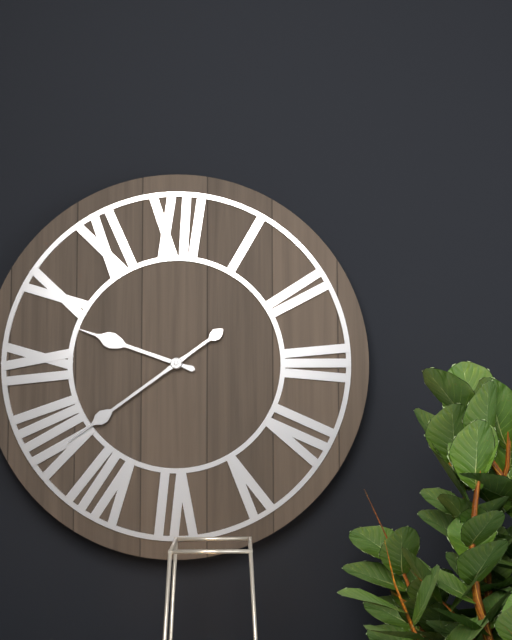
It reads **9:39**
